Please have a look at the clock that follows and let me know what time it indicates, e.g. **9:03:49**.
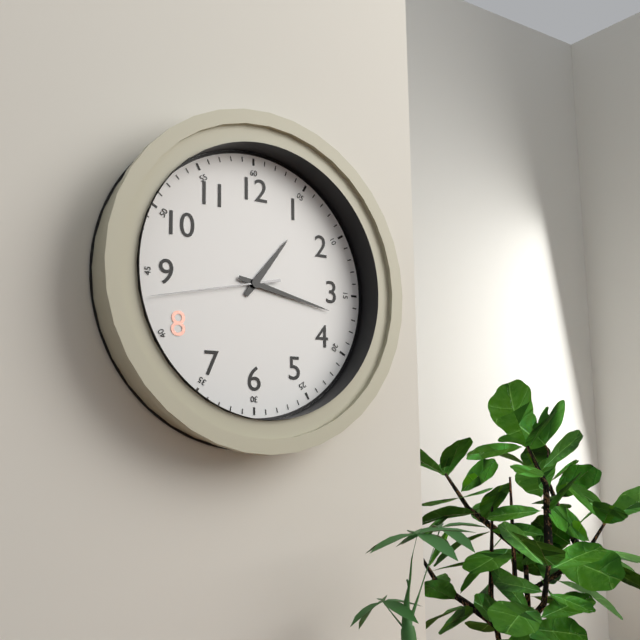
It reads **1:17:43**
